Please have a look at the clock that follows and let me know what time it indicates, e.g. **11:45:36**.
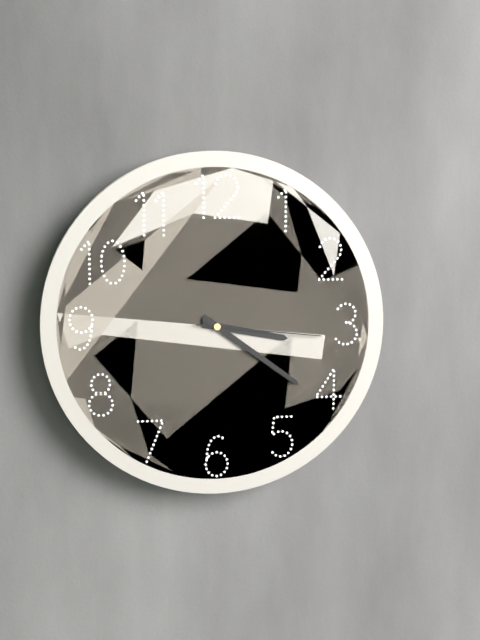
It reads **3:21:16**
